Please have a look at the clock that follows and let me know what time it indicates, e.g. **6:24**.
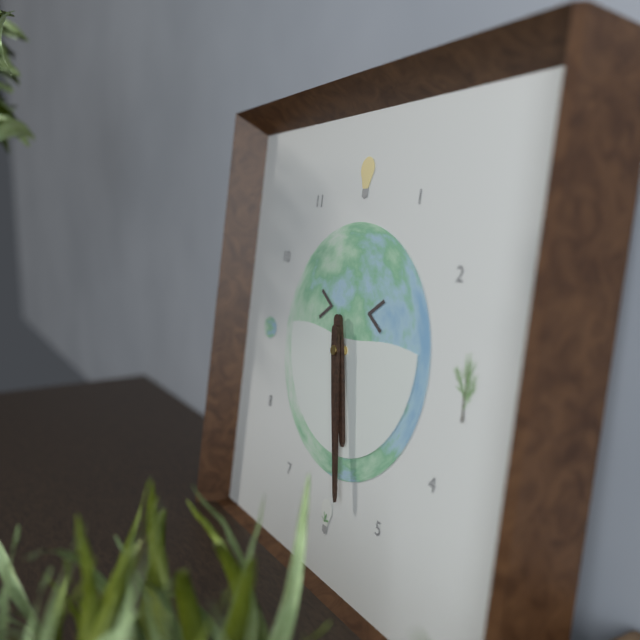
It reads **5:28**
